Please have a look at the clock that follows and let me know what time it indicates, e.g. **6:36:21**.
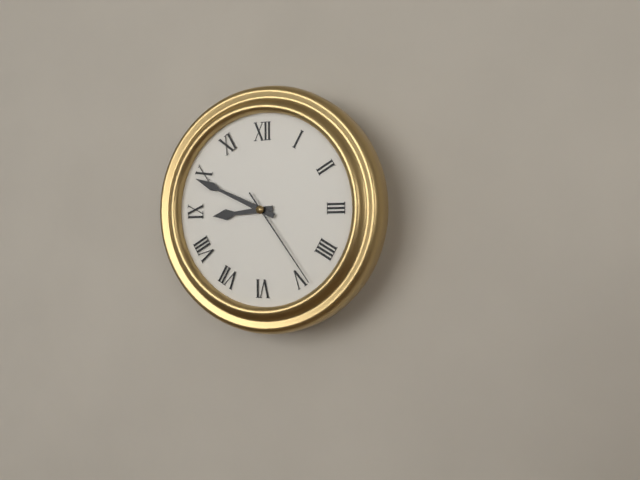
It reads **8:49:24**
